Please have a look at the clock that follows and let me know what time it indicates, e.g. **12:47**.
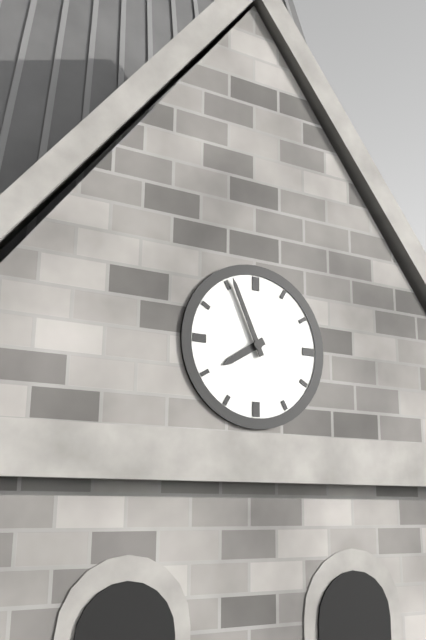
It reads **7:56**
